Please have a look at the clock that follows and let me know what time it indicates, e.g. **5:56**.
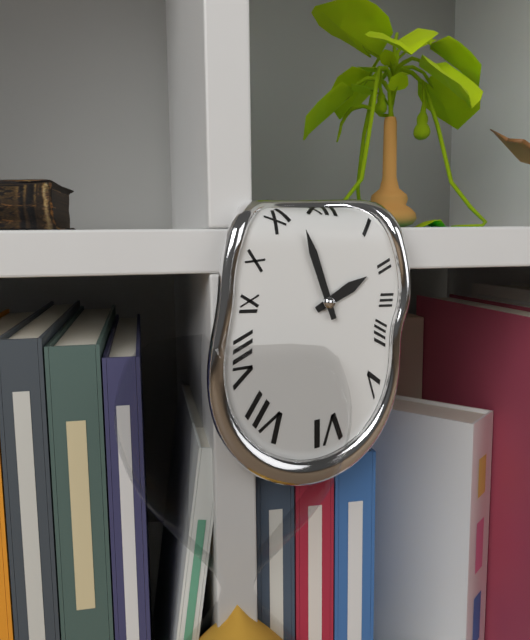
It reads **1:57**
